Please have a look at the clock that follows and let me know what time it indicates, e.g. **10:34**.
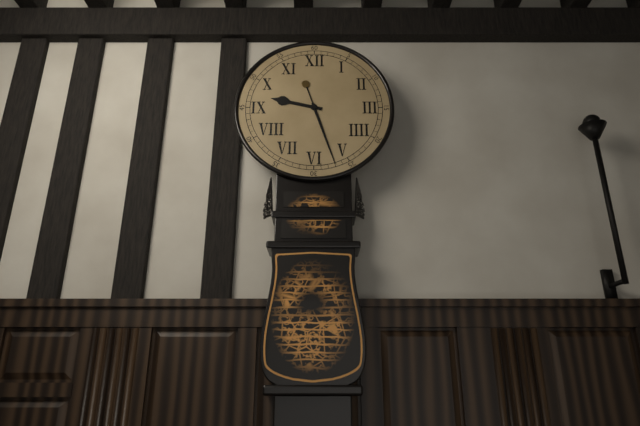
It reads **9:27**
